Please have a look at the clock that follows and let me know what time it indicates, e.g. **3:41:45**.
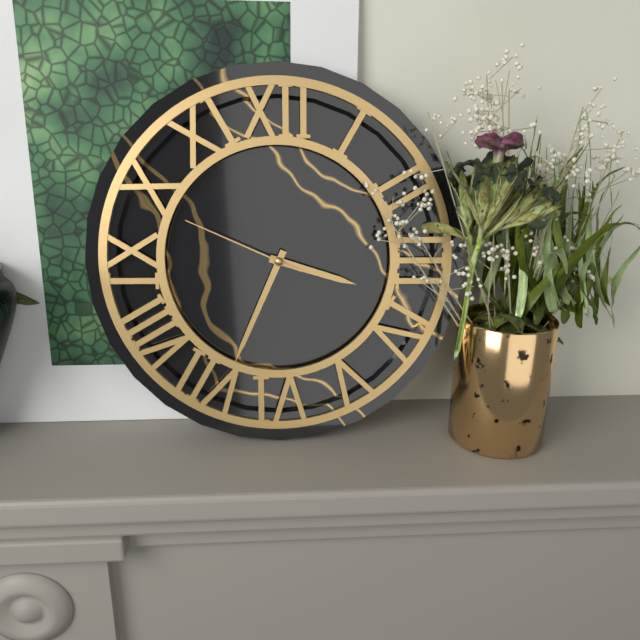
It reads **3:34:49**
